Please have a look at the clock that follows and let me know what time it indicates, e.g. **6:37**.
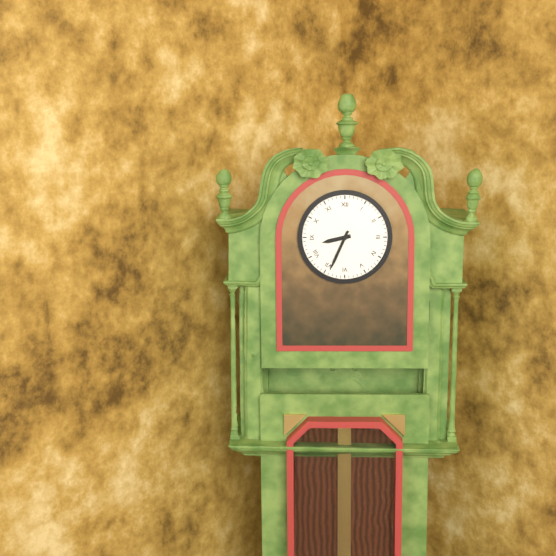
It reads **8:34**
